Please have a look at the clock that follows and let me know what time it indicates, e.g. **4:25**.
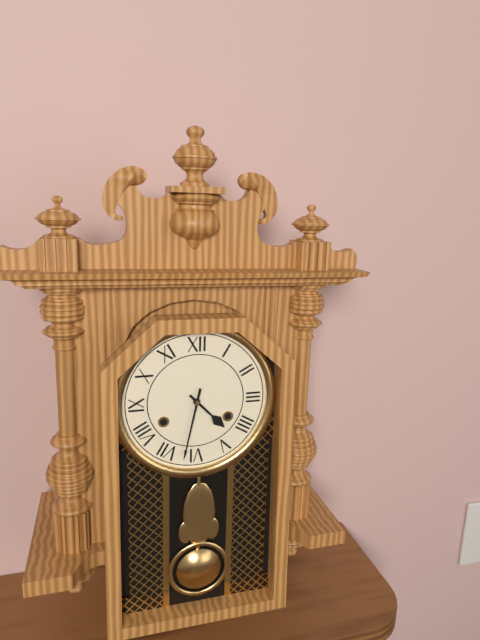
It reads **4:32**
